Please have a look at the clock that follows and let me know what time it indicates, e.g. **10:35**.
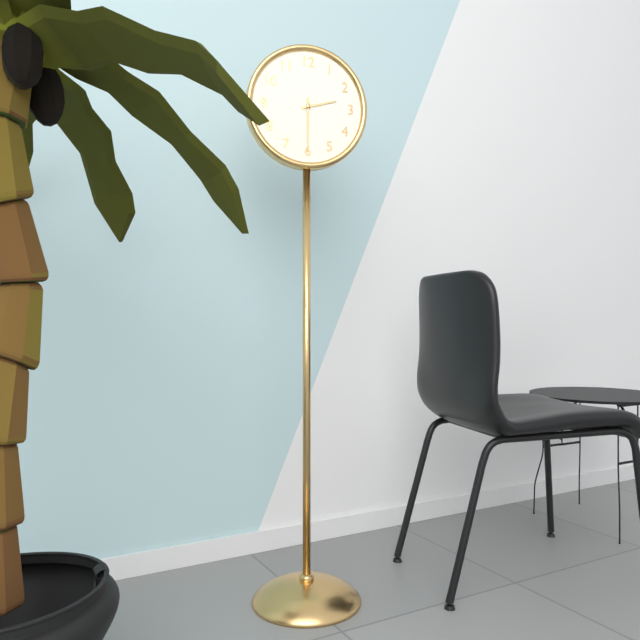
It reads **2:30**
